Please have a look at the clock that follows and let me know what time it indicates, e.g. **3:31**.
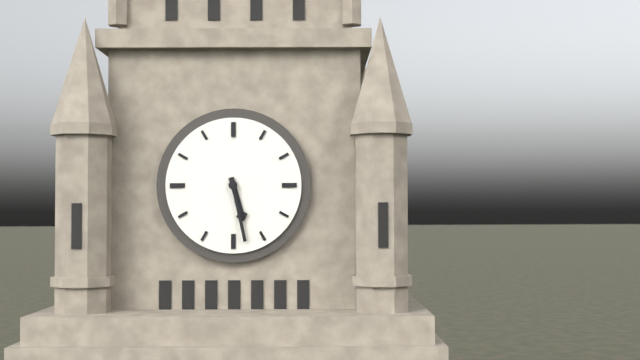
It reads **5:28**
